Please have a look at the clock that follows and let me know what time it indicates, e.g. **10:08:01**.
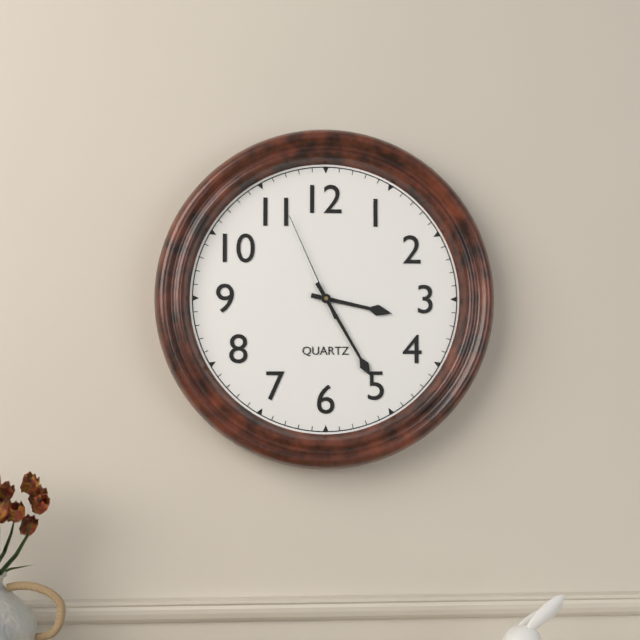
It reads **3:25:56**
